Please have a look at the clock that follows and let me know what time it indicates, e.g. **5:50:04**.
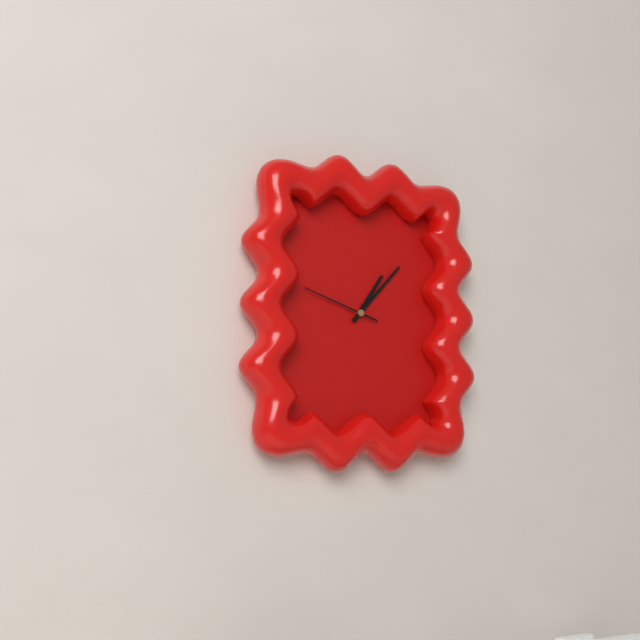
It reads **1:07:48**
